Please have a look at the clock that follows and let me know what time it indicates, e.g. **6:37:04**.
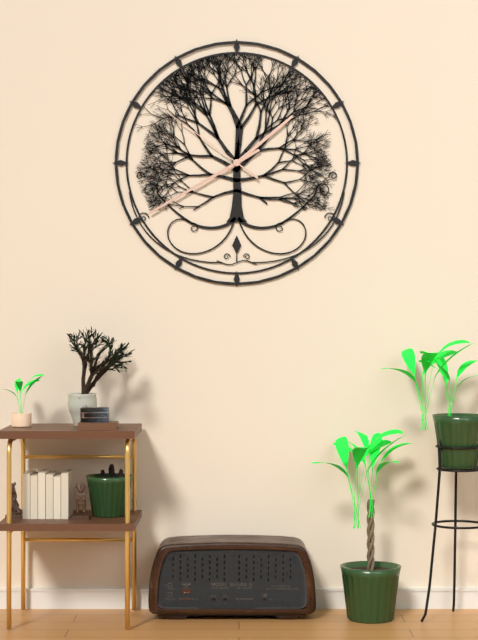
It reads **1:40:51**
